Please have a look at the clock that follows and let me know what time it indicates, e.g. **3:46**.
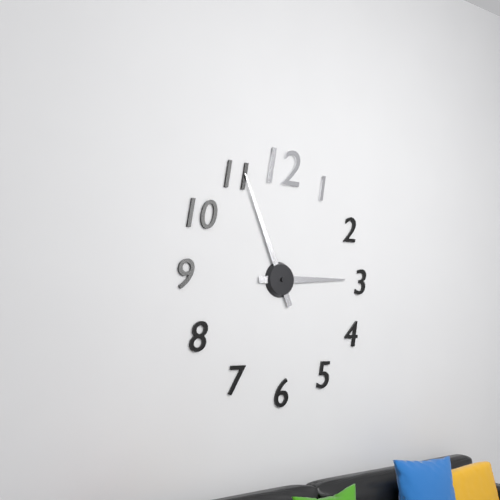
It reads **2:56**
